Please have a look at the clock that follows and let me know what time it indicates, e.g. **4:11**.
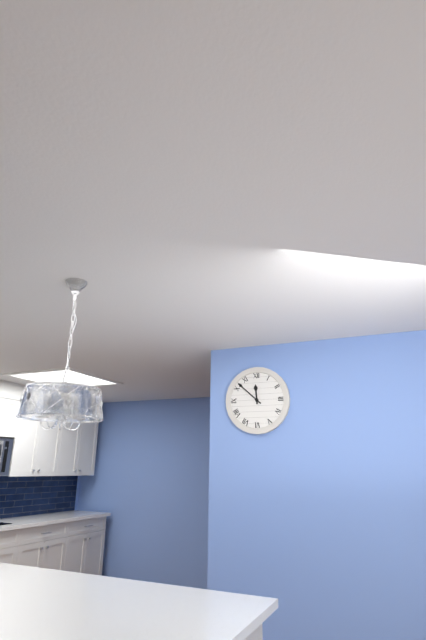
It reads **11:52**
